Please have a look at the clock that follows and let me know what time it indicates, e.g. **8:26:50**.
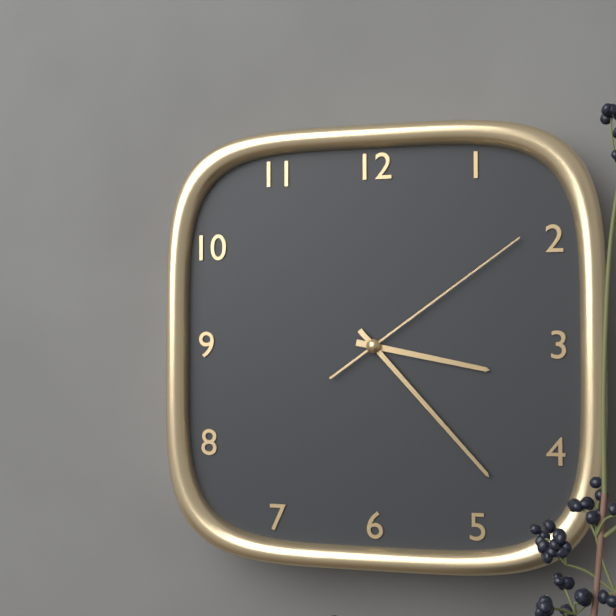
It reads **3:23:09**
